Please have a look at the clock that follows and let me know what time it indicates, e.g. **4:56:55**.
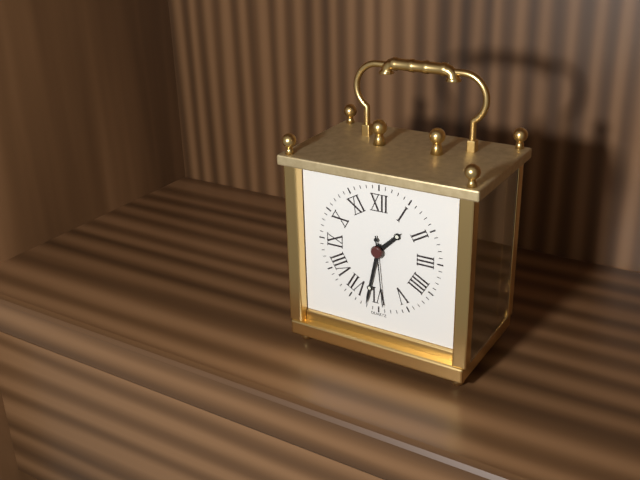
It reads **1:32:29**
